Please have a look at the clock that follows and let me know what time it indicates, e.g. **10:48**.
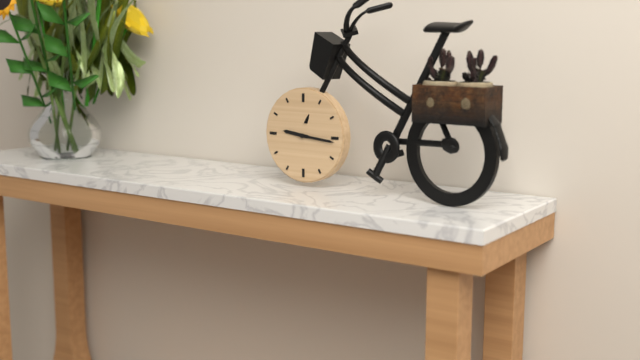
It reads **9:16**
